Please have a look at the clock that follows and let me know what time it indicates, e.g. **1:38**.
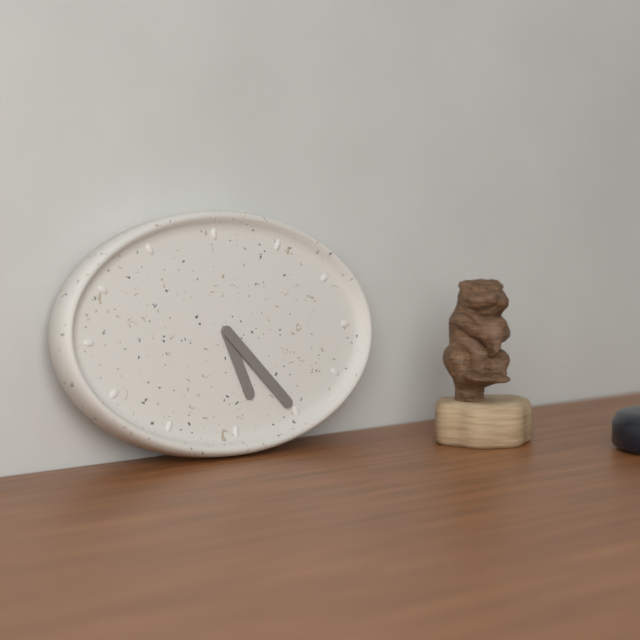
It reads **5:23**
